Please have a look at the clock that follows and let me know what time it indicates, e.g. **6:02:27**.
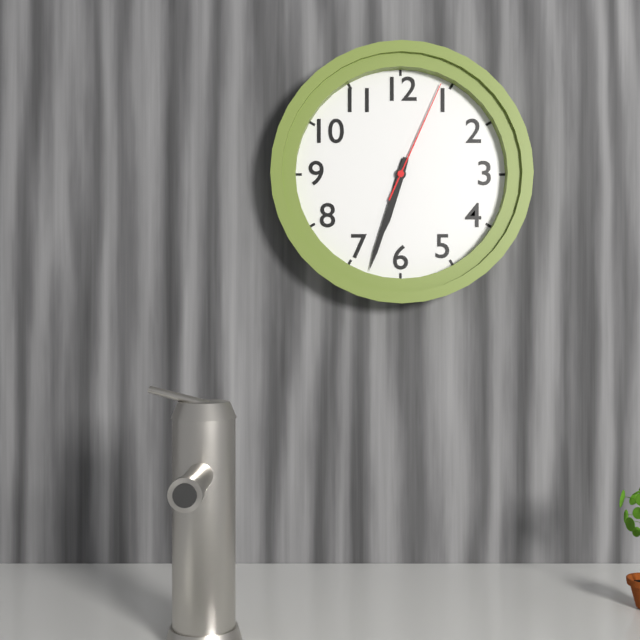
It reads **6:33:04**
